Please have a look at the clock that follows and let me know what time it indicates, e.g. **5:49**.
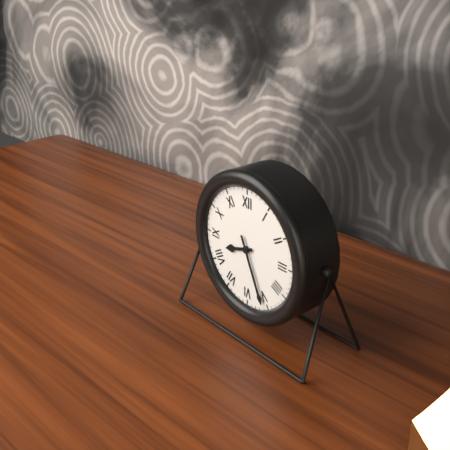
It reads **8:26**
